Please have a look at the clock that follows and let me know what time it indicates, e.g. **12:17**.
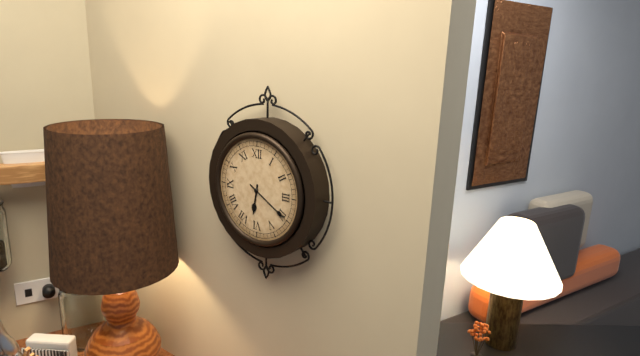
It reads **6:20**
